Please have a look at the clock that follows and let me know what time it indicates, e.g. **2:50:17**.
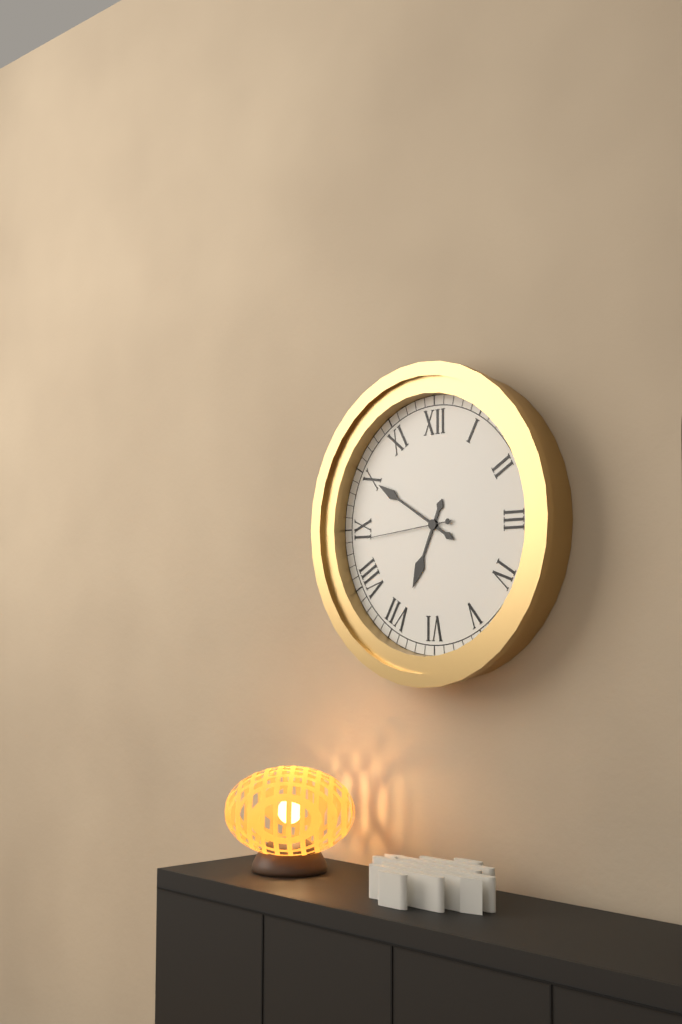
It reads **6:50:44**
